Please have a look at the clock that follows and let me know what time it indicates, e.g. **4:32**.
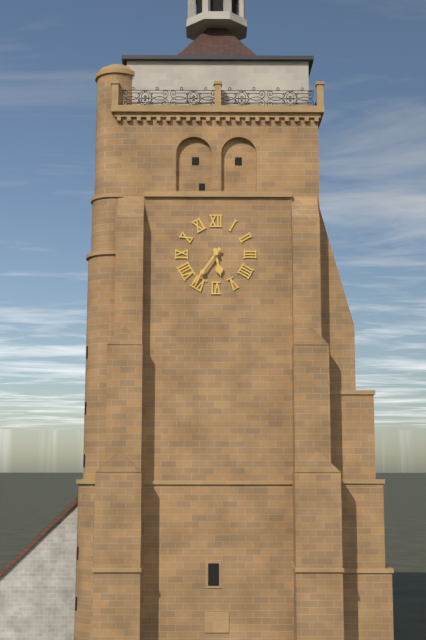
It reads **5:36**
